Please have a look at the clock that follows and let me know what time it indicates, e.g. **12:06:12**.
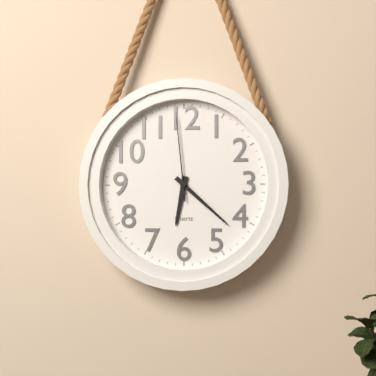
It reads **6:22:59**
